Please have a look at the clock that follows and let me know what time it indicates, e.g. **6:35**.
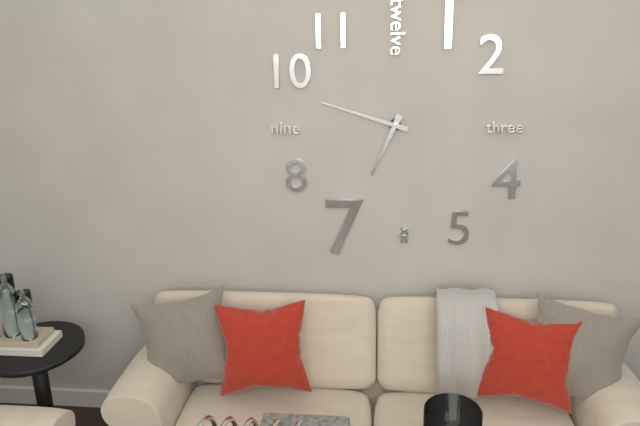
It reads **6:48**
